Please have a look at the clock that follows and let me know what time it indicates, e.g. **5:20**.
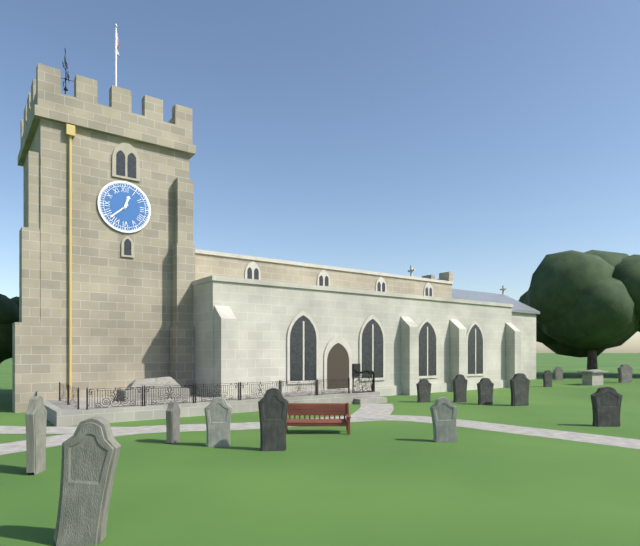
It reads **12:38**
